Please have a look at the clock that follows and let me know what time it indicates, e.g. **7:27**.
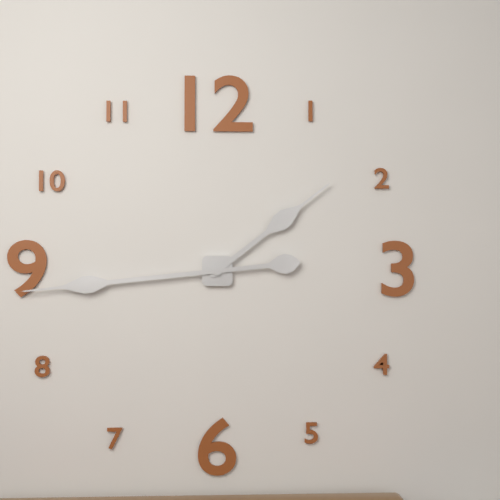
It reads **1:44**
